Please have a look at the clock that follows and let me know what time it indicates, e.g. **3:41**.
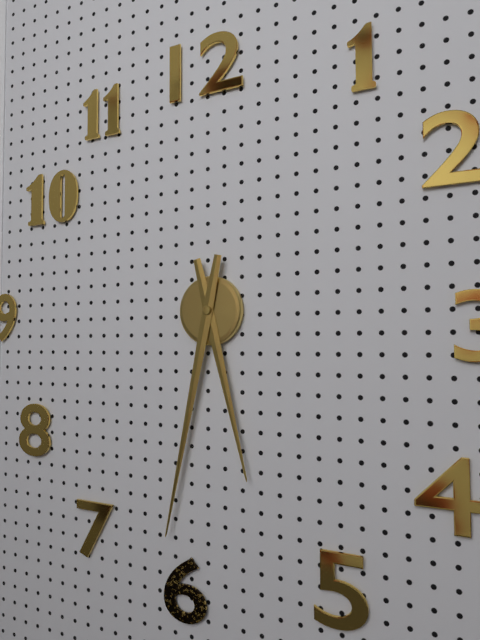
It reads **5:32**
